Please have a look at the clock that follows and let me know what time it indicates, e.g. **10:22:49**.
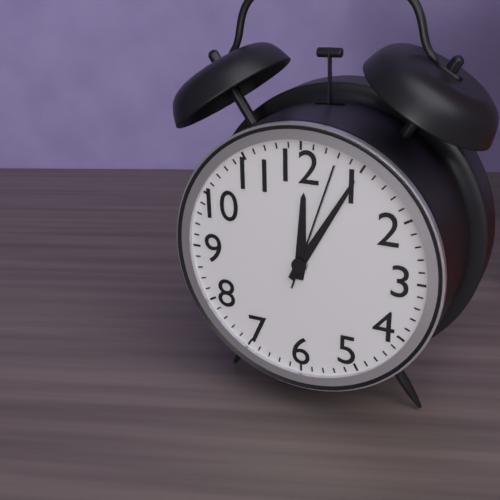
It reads **12:05:03**
